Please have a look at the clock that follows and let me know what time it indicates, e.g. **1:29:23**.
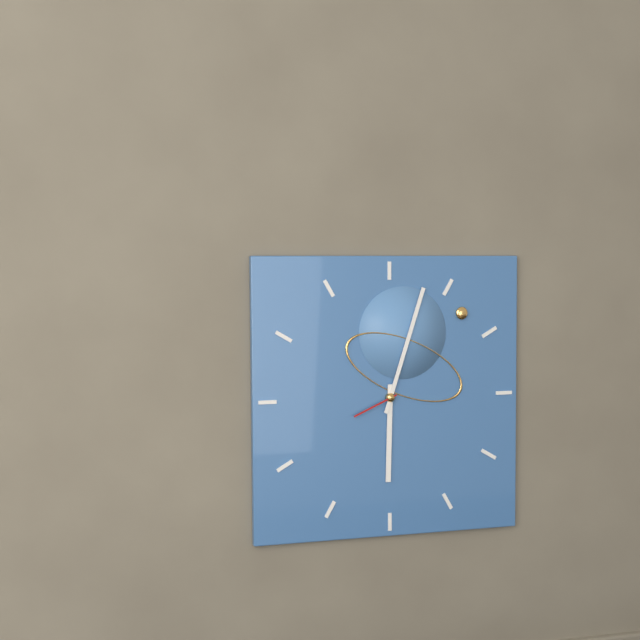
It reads **6:03:41**
